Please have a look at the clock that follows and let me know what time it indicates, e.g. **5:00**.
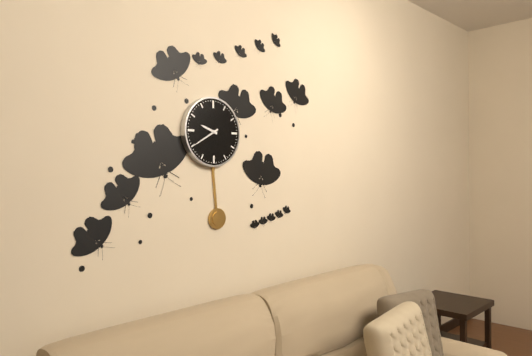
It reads **9:40**
